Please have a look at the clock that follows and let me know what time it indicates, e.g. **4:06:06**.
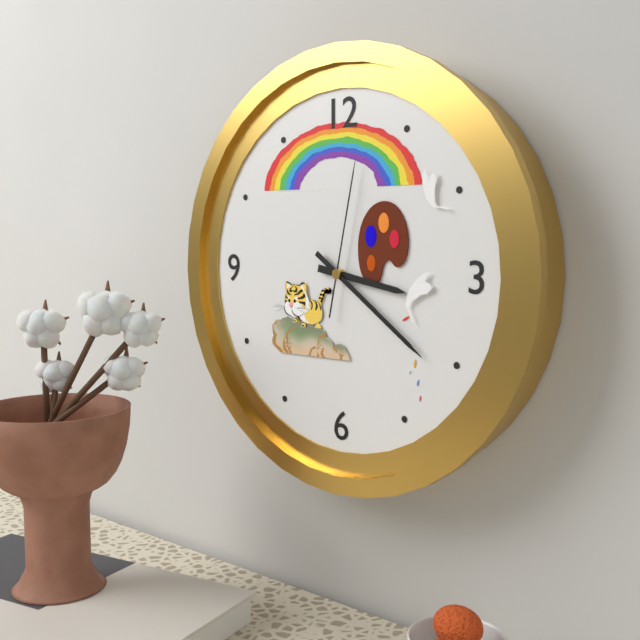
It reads **3:21:02**
